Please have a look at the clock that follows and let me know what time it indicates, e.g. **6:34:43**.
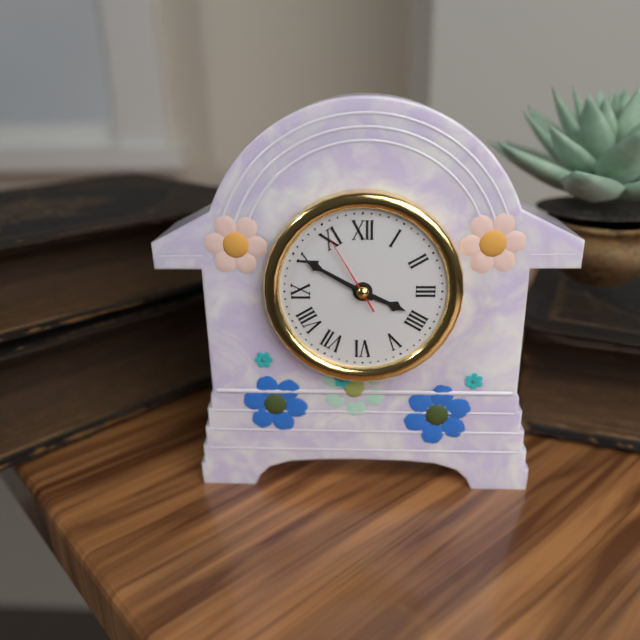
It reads **3:50:55**
